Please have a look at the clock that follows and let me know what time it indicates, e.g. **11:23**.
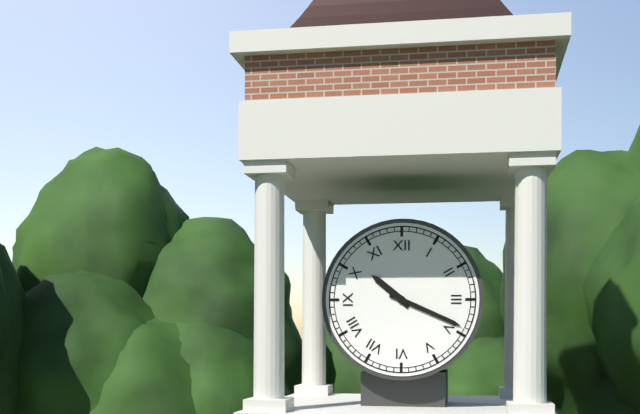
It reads **10:19**
